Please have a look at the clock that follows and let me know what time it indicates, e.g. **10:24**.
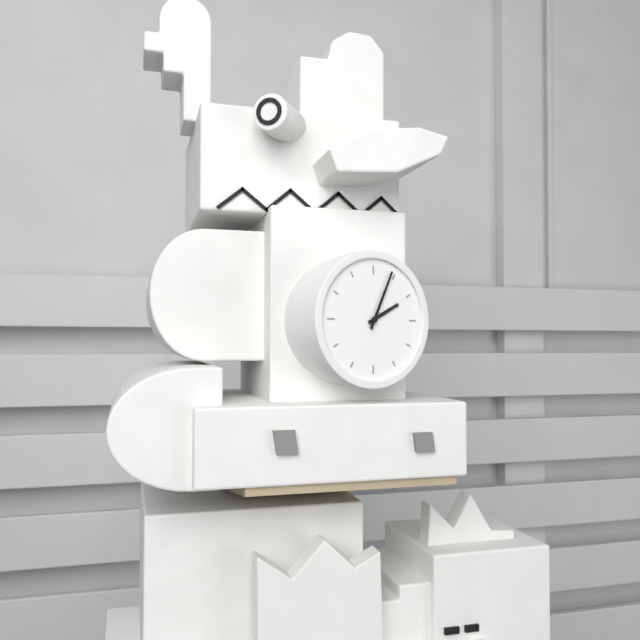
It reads **2:04**
